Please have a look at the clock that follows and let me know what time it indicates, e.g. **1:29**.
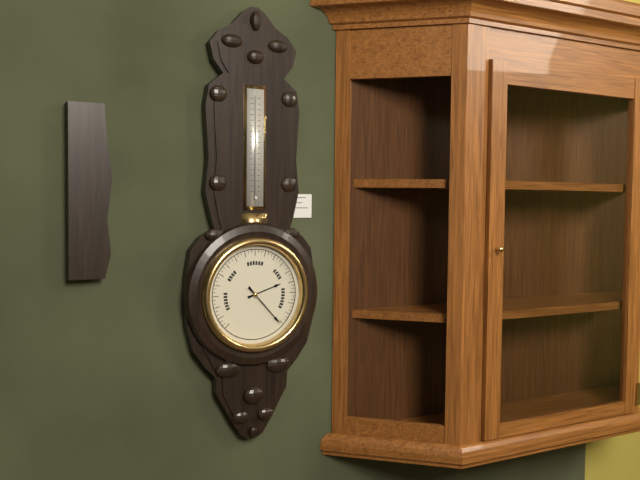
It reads **2:23**
